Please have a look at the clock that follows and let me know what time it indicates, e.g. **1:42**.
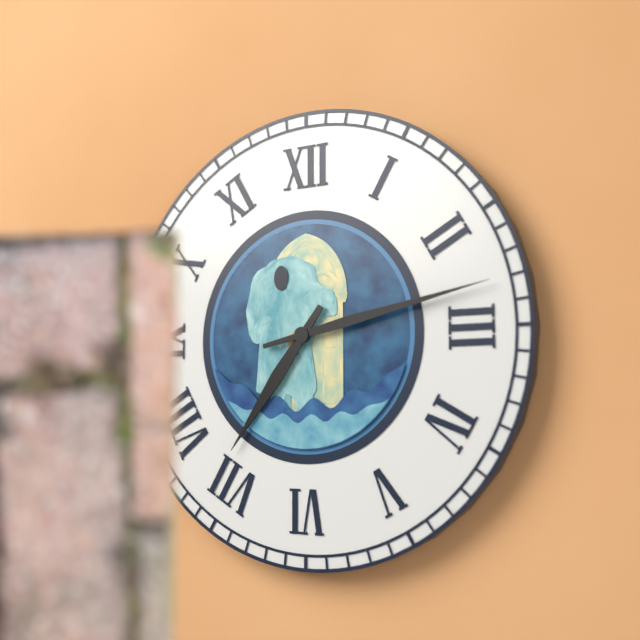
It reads **7:13**
